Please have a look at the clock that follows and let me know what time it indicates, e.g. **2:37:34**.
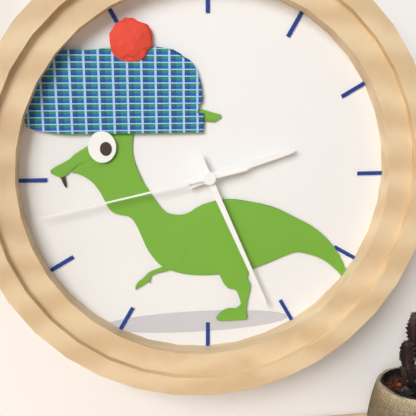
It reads **2:26:43**
